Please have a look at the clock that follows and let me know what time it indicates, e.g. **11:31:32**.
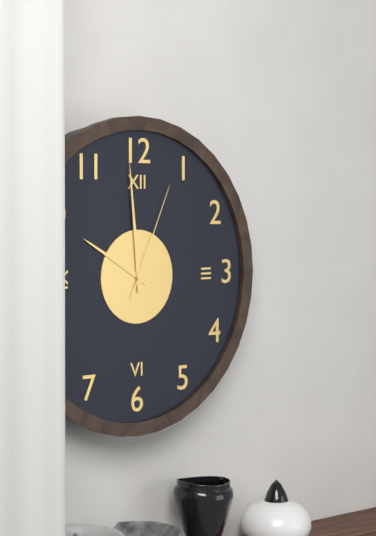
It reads **9:59:04**
